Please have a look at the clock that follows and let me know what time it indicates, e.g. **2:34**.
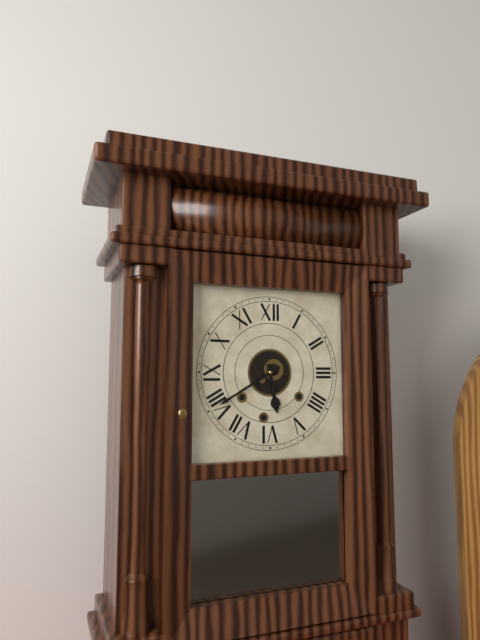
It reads **5:40**
